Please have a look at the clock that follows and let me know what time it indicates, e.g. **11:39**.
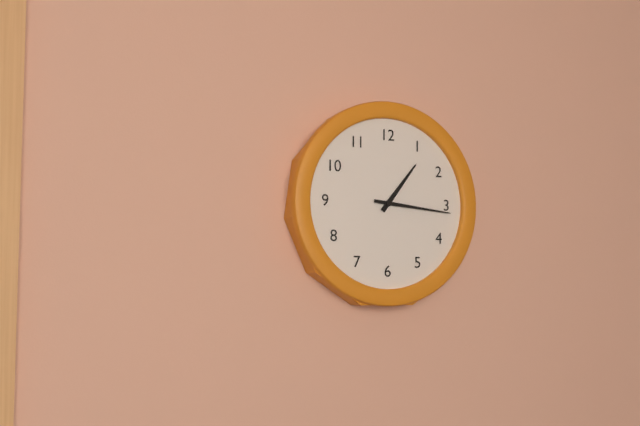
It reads **1:16**
